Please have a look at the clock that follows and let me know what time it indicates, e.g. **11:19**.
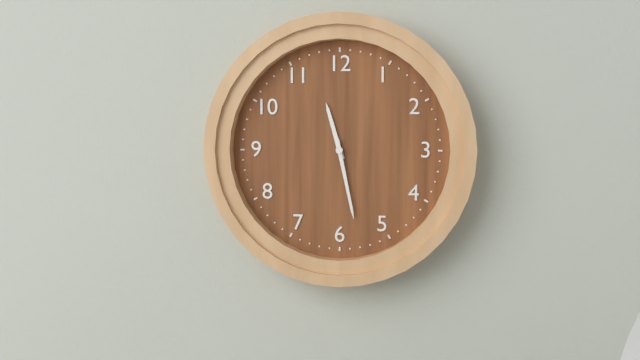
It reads **11:28**
